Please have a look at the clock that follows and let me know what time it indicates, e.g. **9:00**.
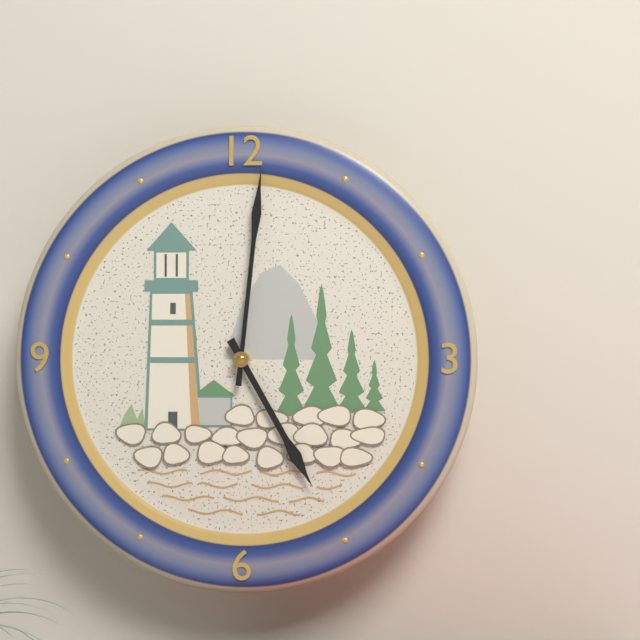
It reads **5:01**
